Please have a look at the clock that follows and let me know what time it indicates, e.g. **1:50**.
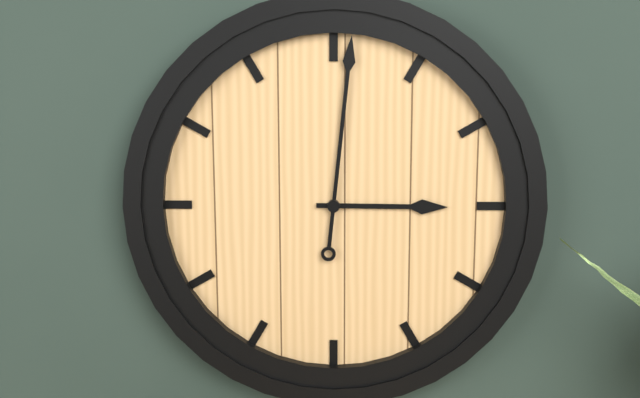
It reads **3:01**
